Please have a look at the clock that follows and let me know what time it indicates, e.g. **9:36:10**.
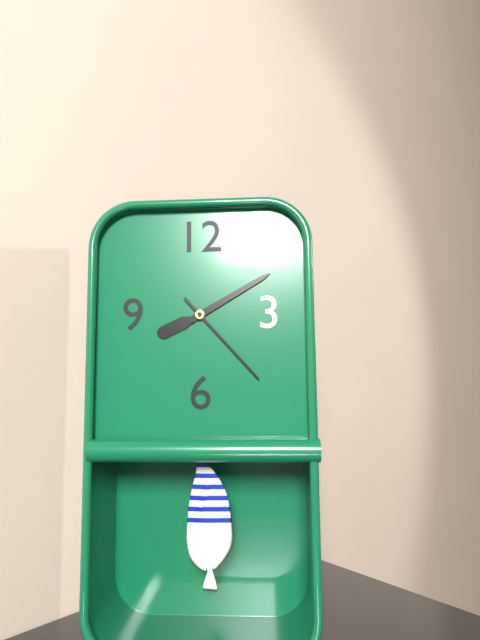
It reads **8:10:23**
